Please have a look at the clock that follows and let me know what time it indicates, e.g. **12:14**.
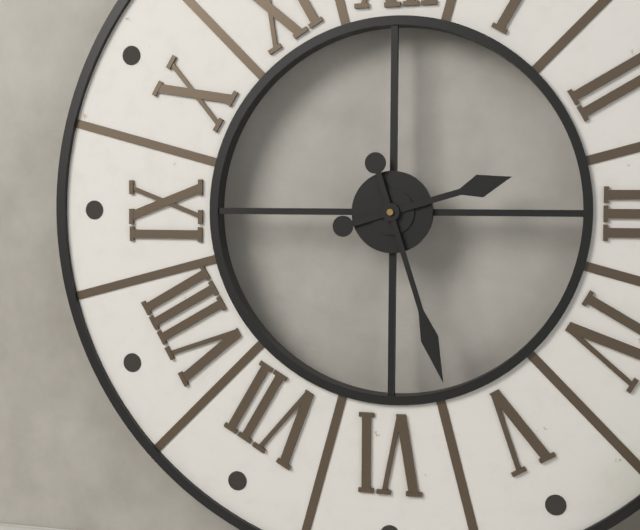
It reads **2:27**
